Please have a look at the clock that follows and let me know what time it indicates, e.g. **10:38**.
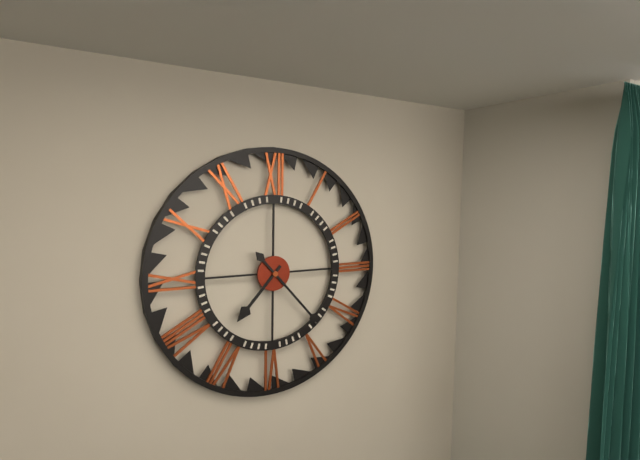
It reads **7:23**
